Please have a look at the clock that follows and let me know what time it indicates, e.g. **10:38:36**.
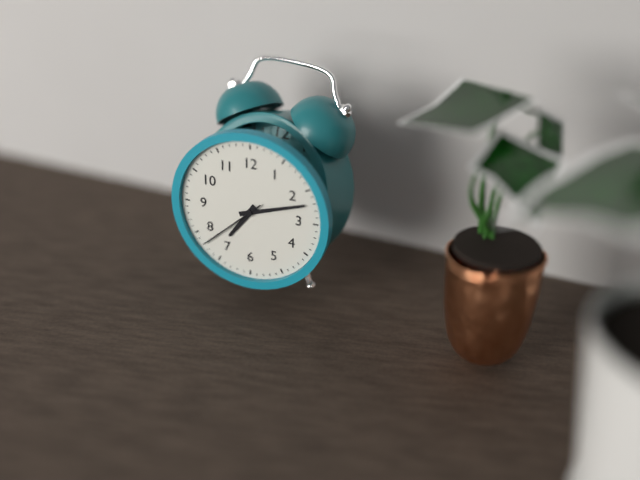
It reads **7:12:38**
